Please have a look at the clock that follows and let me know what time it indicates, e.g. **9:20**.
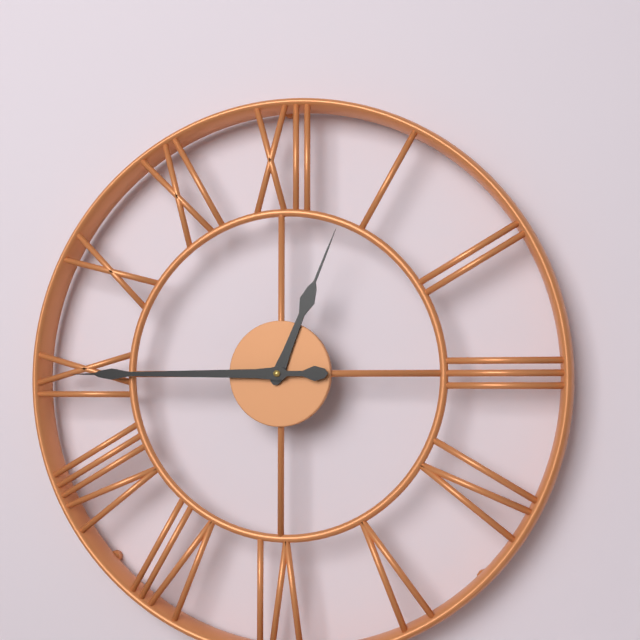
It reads **12:45**
